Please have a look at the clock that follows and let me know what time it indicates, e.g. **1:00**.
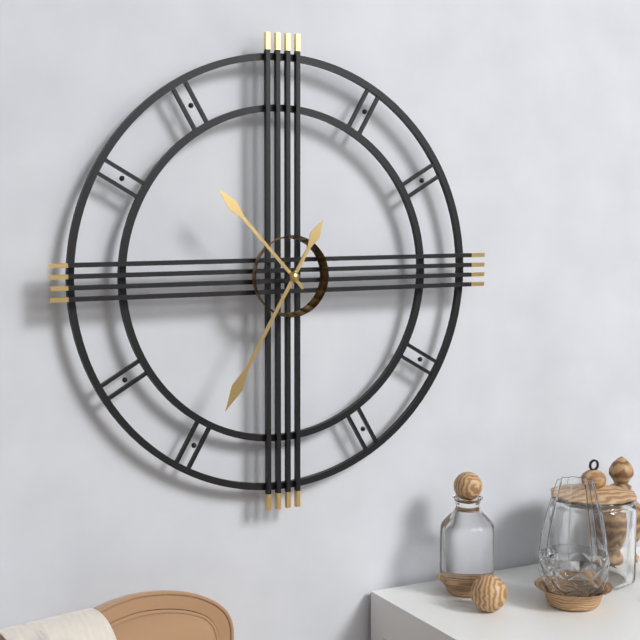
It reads **10:35**
